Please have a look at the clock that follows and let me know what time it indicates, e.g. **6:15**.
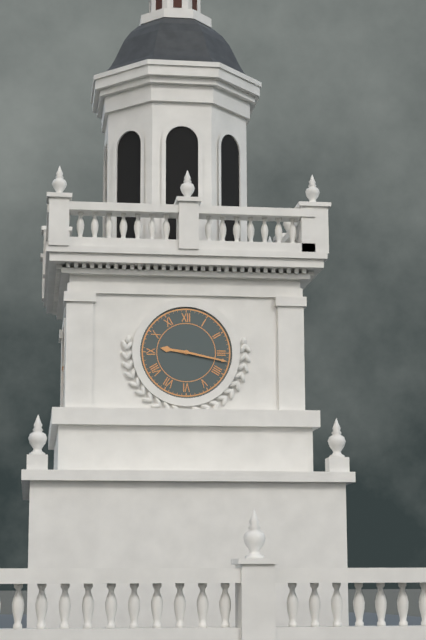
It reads **9:17**
